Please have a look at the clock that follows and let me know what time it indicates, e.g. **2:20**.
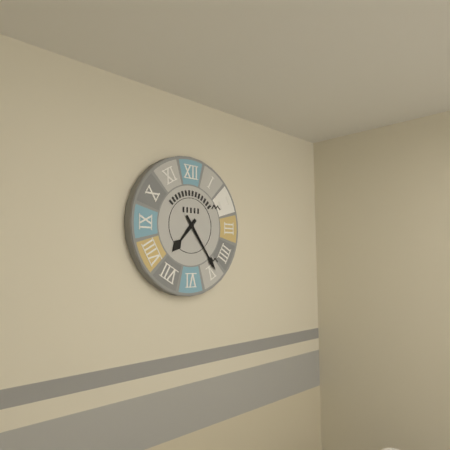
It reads **7:24**
